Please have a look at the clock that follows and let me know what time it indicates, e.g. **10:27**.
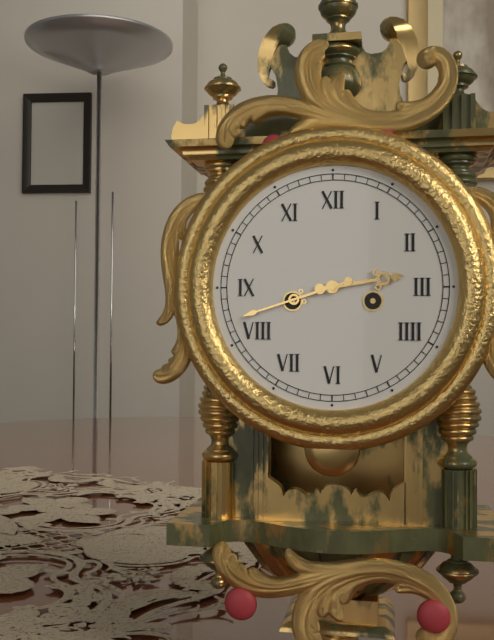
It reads **2:42**
